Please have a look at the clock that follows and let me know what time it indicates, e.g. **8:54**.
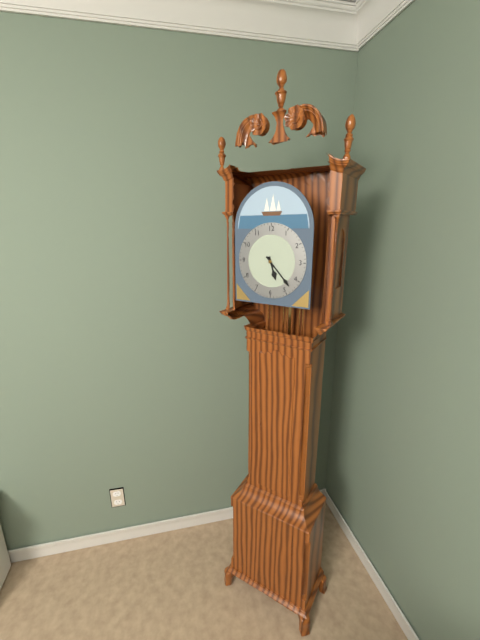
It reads **5:23**
